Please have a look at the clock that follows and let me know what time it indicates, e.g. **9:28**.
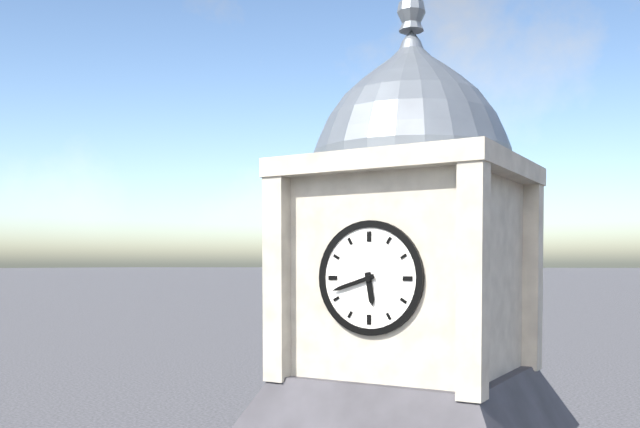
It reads **5:42**
